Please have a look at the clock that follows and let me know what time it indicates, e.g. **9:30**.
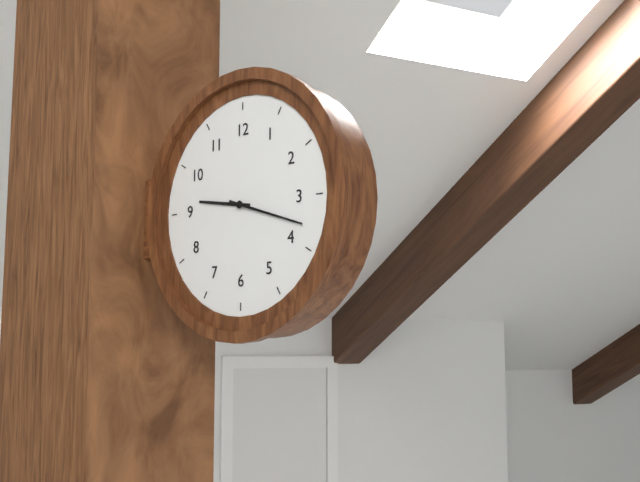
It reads **9:18**
